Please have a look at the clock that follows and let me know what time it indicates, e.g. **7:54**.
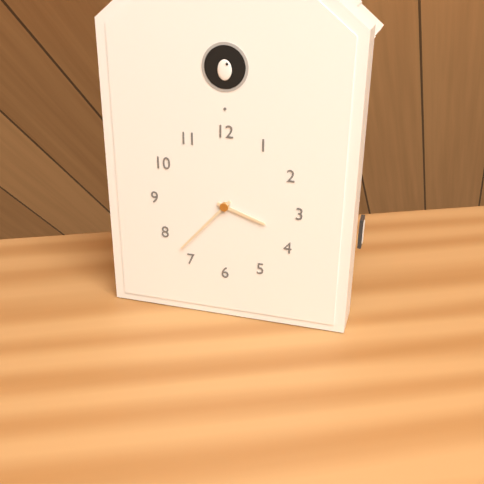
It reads **3:37**
